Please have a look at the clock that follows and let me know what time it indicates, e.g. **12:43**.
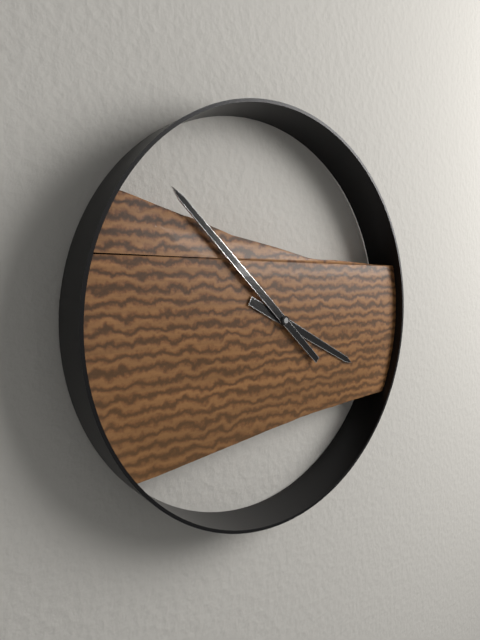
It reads **3:52**
